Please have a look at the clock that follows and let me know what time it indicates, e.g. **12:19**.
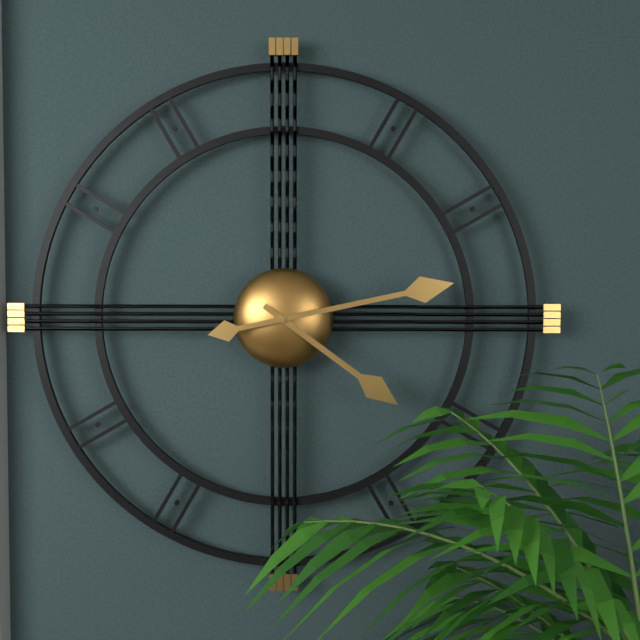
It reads **4:13**
